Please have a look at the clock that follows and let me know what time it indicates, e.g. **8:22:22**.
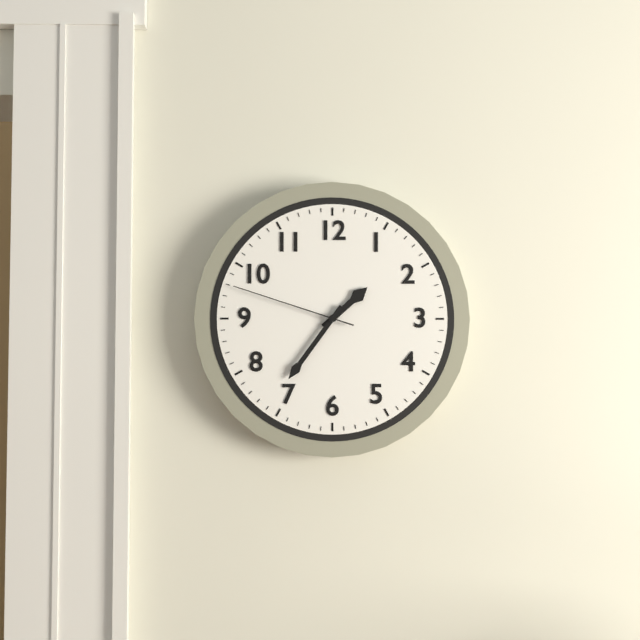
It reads **1:36:48**
